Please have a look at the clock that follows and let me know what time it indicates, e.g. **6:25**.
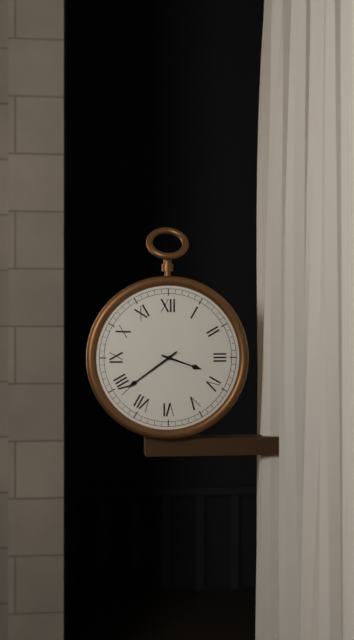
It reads **3:39**
